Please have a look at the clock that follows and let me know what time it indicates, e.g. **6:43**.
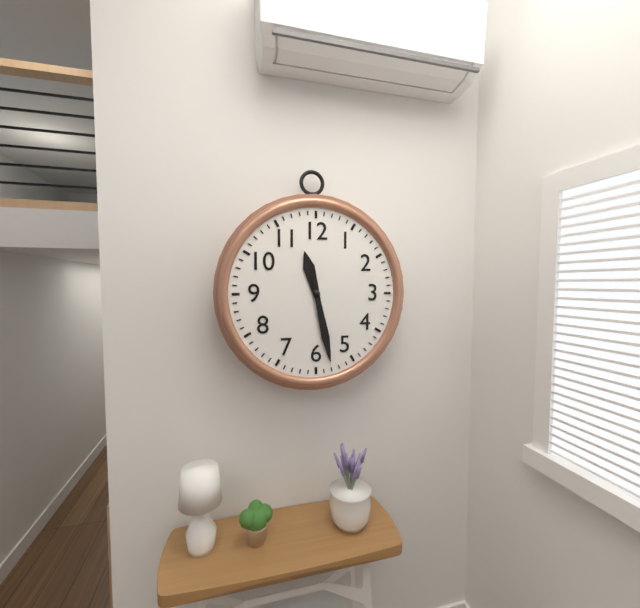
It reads **11:28**
